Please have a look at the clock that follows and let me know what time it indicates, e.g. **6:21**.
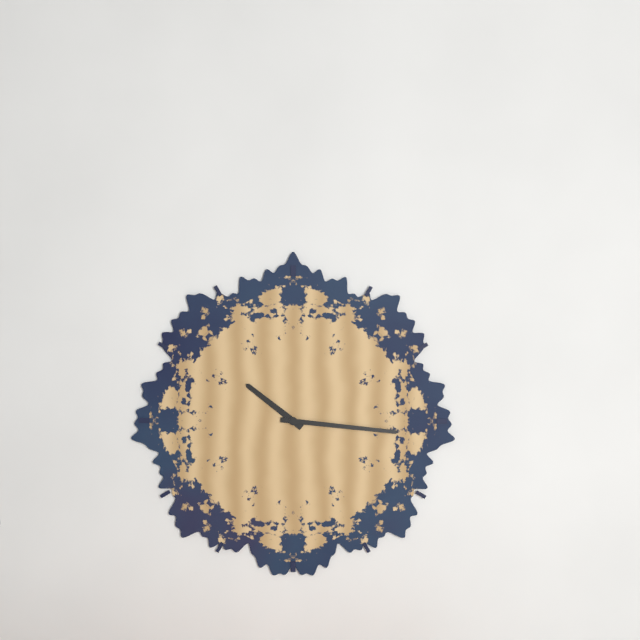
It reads **10:16**
